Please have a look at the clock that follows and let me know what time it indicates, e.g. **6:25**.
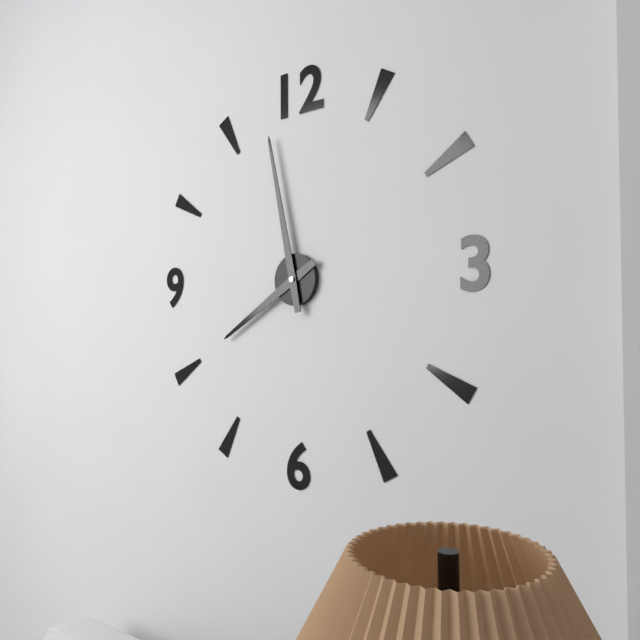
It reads **7:58**
